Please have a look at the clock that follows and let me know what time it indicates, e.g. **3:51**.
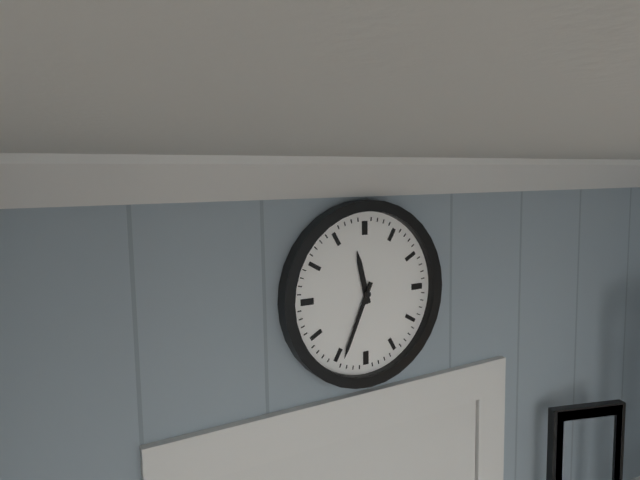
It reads **11:34**
